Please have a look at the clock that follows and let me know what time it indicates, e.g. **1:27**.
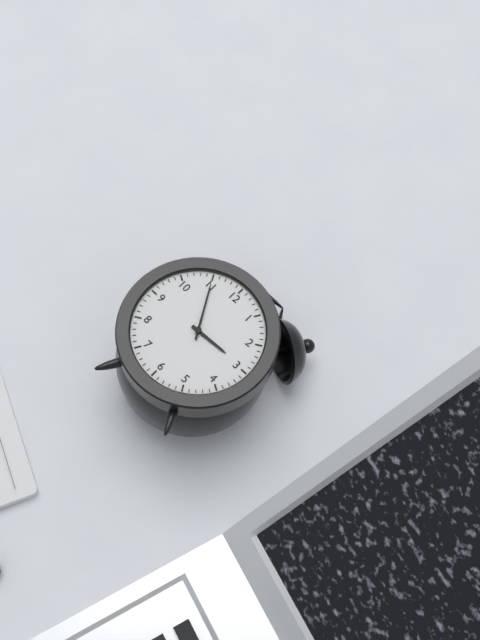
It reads **2:55**
